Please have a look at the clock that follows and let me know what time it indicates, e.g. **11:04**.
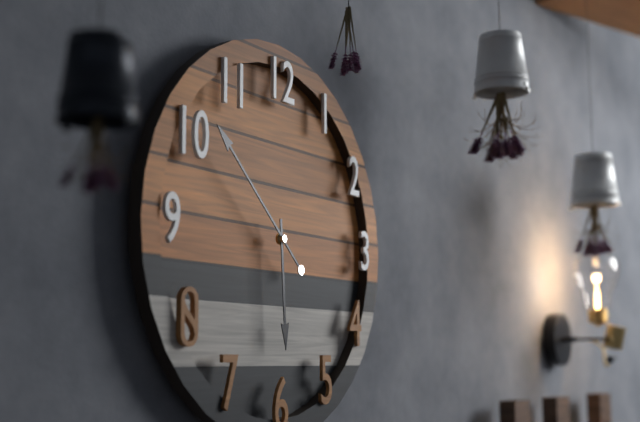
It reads **5:52**
